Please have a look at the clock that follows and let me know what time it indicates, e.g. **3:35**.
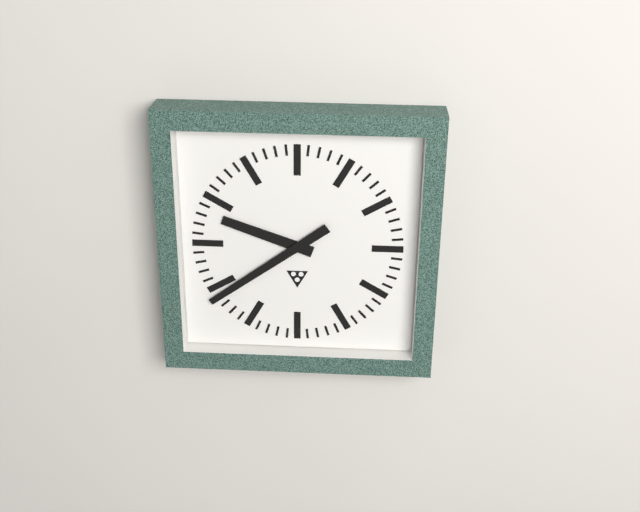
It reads **9:39**
